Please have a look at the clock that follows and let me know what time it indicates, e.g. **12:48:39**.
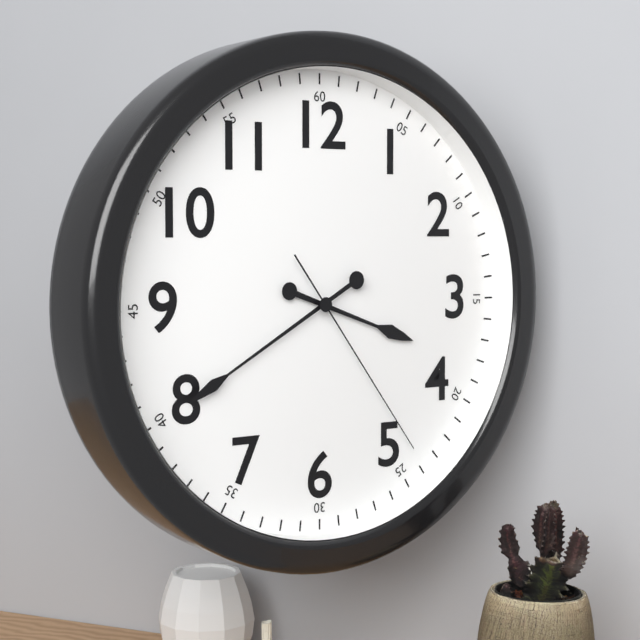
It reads **3:40:24**
